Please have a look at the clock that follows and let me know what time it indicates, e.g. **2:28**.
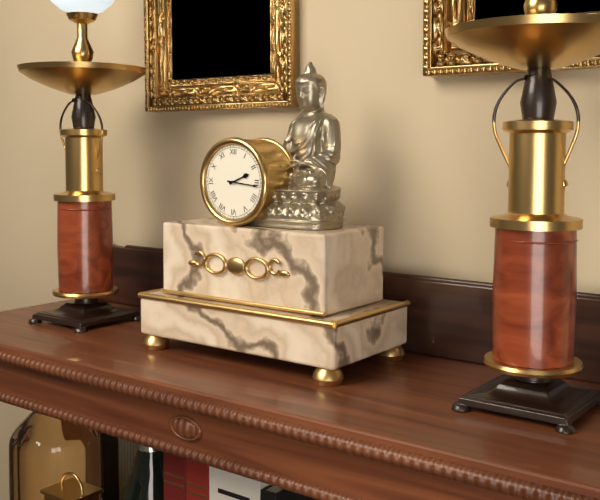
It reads **2:16**
